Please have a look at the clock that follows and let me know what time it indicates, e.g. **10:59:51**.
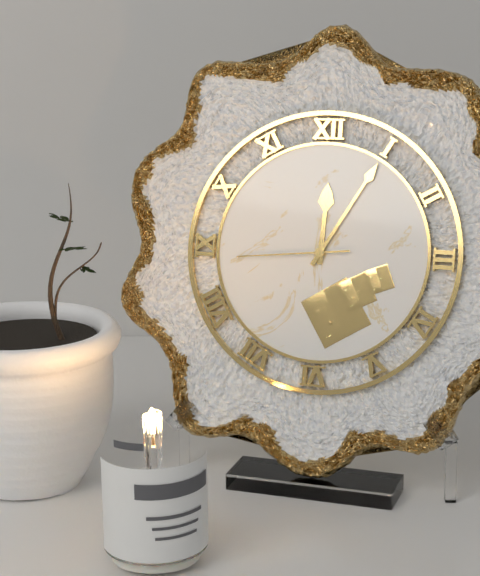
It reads **12:05:44**
